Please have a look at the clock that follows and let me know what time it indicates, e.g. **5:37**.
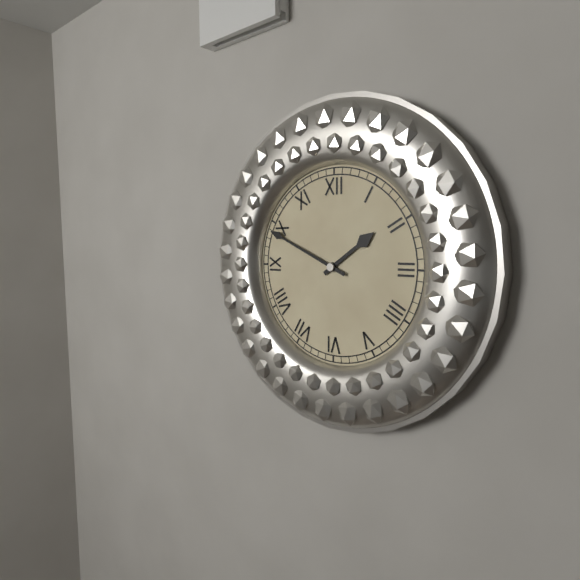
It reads **1:49**
